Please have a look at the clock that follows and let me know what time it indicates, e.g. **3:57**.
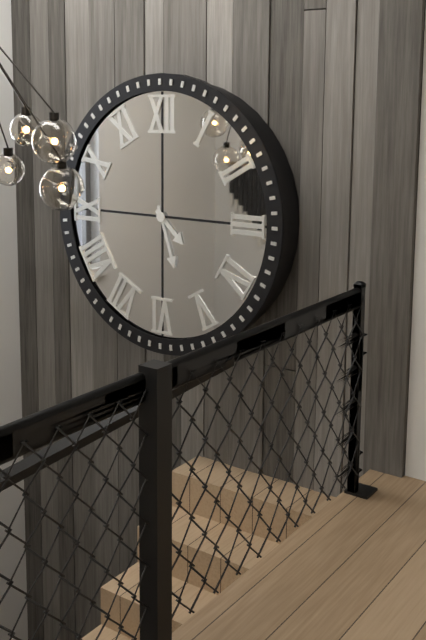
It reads **4:27**
